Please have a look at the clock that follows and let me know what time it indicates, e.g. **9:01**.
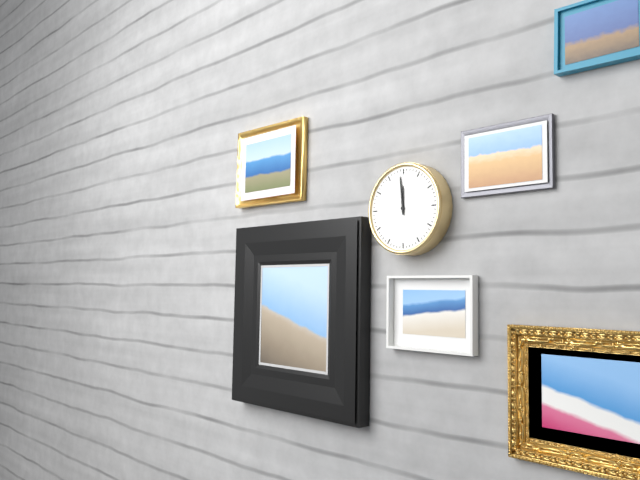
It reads **11:59**
